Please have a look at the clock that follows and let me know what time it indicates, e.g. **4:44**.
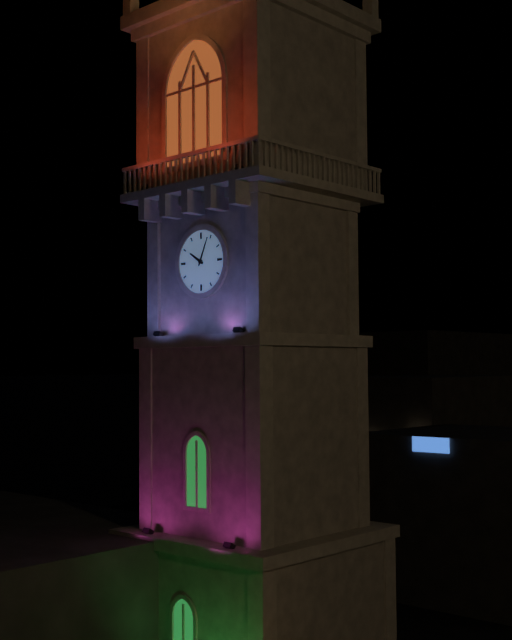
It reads **10:04**
